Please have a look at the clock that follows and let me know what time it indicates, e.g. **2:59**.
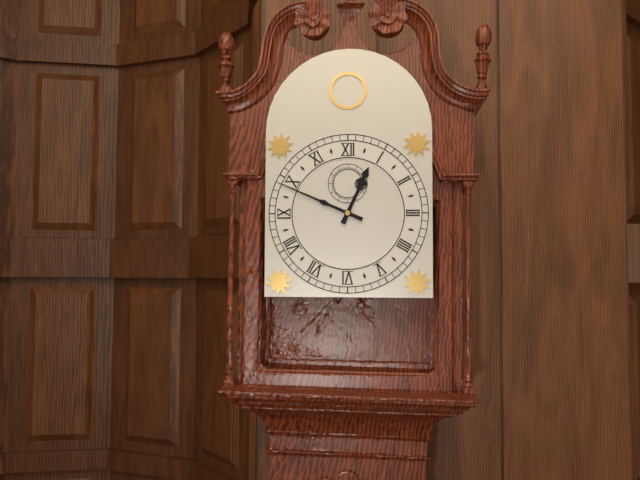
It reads **12:49**
